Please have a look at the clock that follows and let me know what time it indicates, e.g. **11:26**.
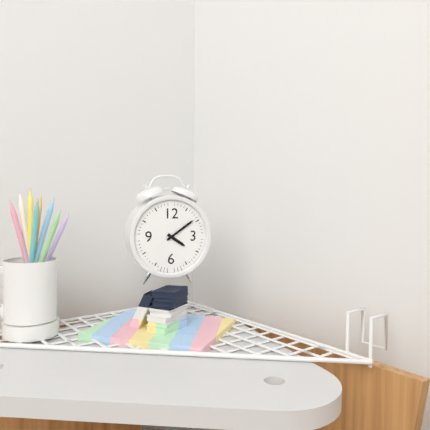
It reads **4:09**
